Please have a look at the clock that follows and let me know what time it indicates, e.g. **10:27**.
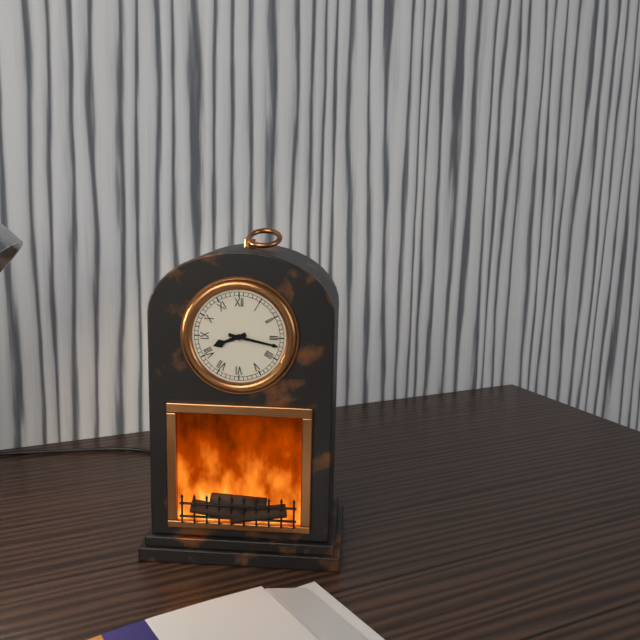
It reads **8:17**
